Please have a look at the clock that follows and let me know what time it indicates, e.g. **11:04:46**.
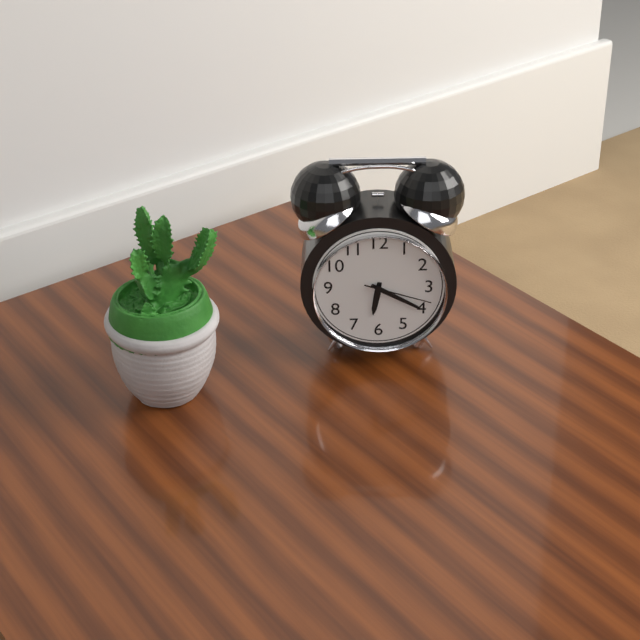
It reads **6:20:18**
